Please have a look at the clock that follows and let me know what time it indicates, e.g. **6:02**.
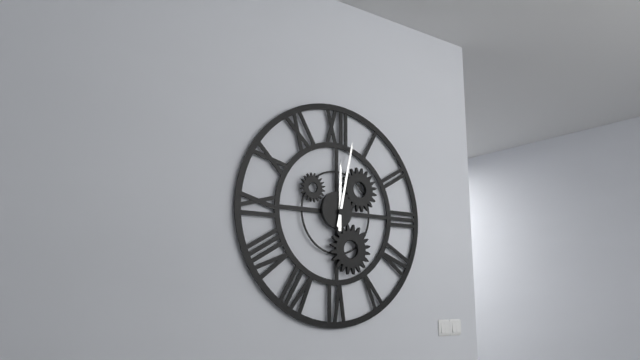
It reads **12:02**
